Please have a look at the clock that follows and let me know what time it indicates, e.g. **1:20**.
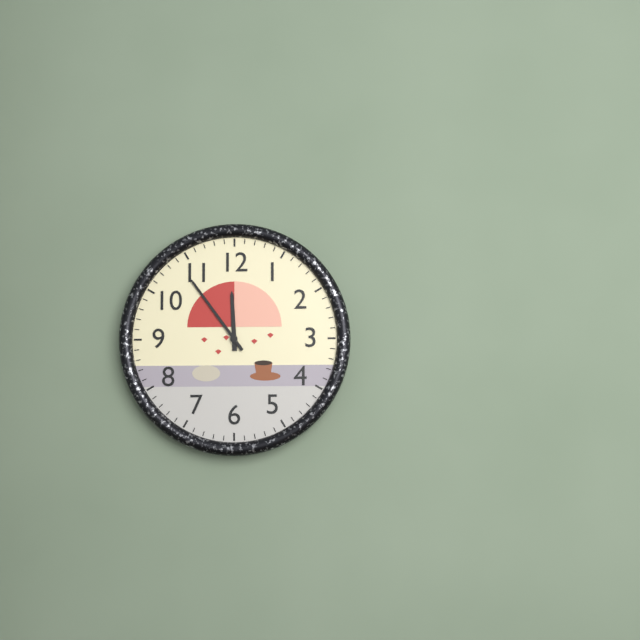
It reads **11:54**
